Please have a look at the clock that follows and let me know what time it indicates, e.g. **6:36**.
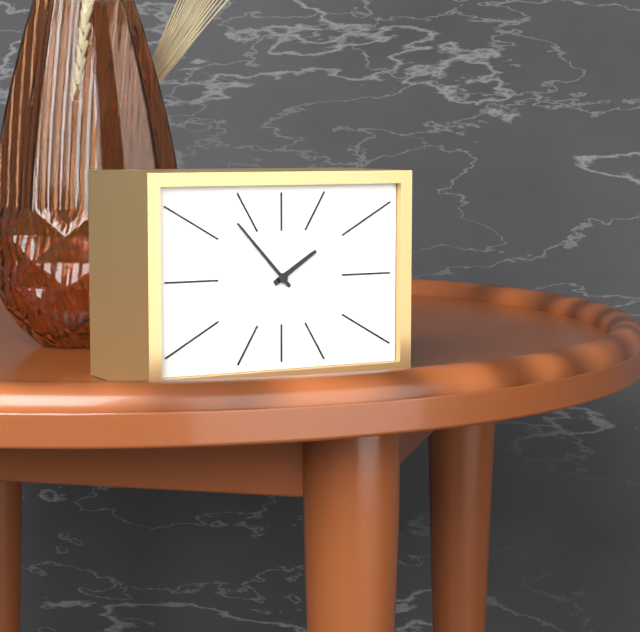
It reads **1:53**
